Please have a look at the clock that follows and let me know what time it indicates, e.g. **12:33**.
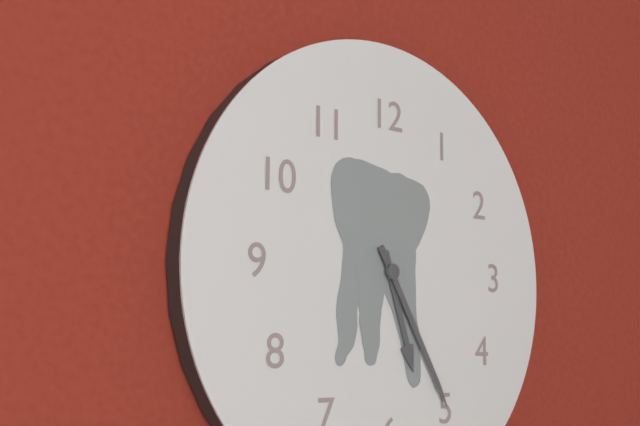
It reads **5:25**
